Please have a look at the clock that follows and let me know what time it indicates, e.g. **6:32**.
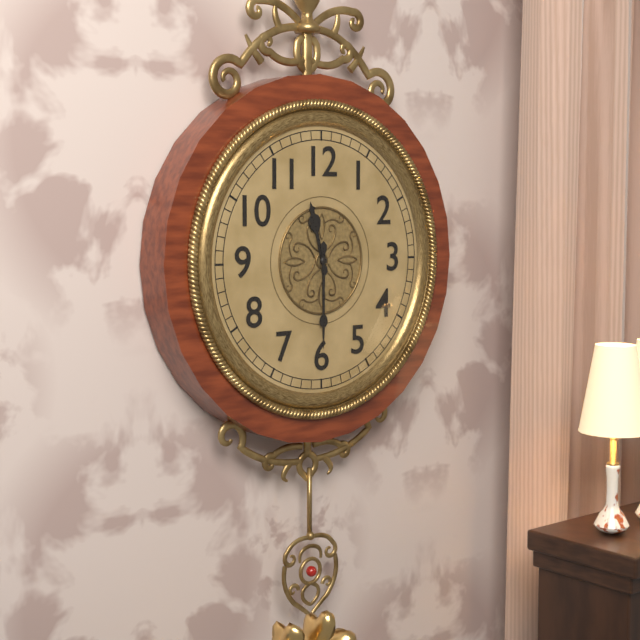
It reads **11:30**
